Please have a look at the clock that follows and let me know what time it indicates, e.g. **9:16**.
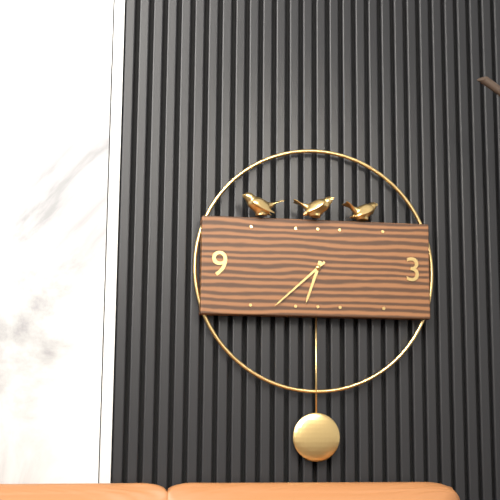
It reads **6:38**
